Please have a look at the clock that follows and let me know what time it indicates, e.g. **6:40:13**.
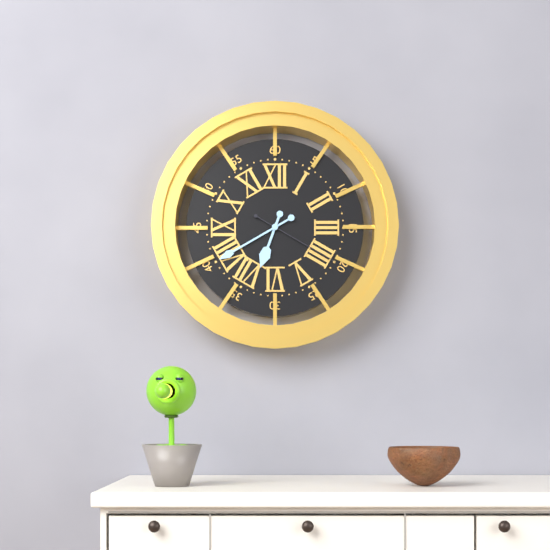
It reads **6:40:20**
